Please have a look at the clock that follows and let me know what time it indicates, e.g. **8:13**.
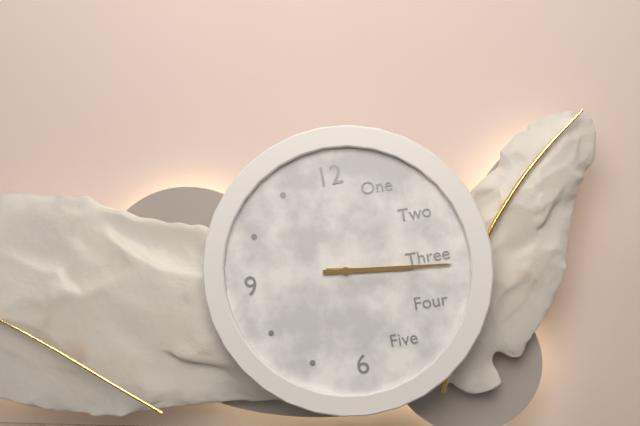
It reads **3:16**
